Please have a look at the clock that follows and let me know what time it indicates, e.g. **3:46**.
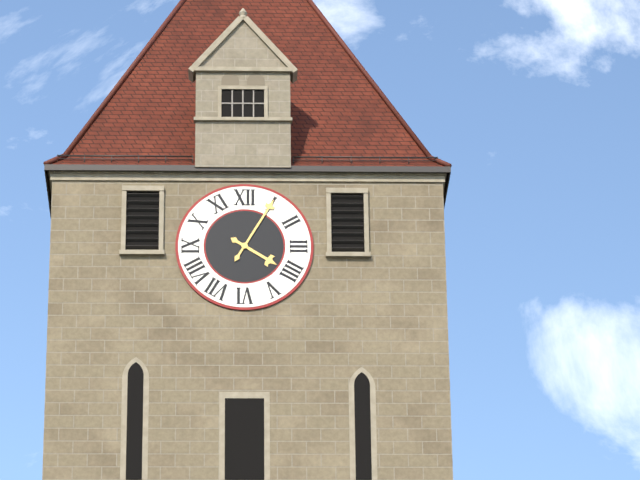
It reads **4:05**
